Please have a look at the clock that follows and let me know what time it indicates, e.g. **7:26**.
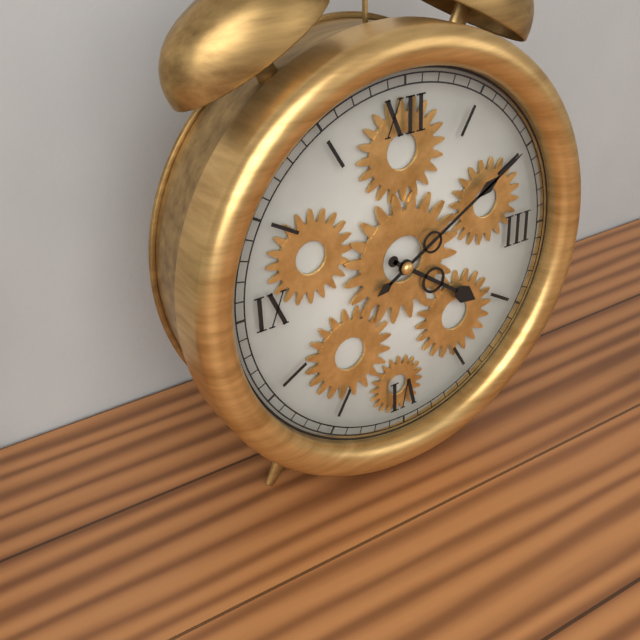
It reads **4:10**
